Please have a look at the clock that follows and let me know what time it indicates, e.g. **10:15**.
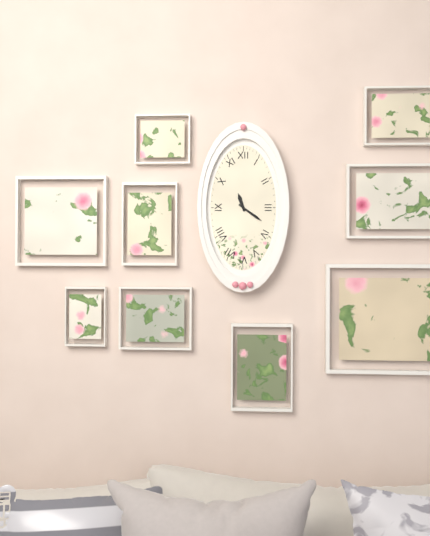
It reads **11:21**
